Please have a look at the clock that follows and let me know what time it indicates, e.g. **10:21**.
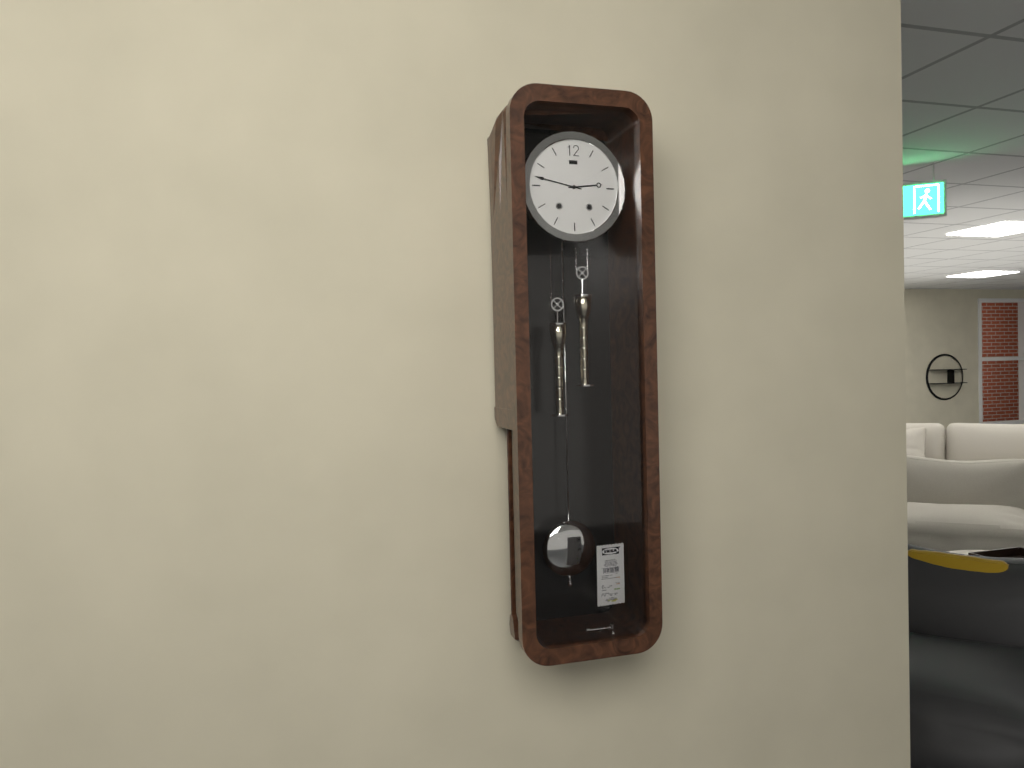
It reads **2:47**
